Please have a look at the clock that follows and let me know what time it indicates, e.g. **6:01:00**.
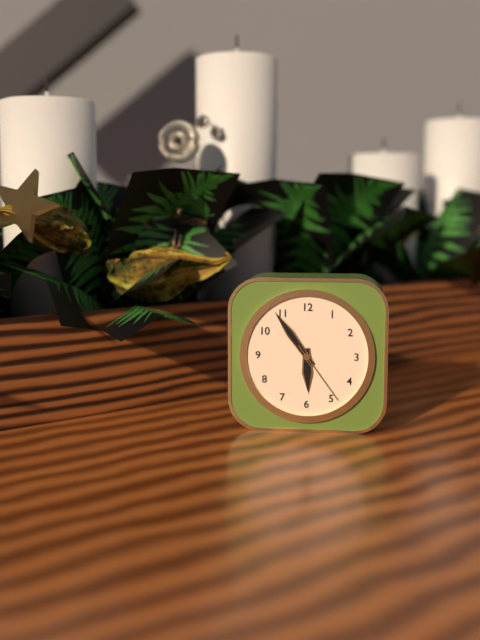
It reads **5:54:24**
